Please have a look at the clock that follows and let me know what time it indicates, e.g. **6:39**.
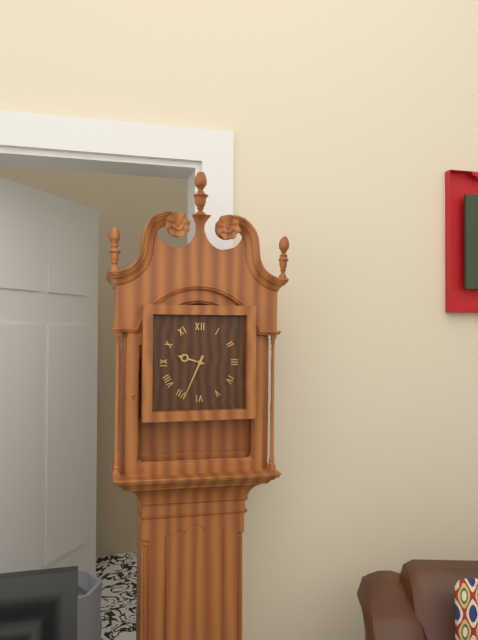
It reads **9:34**
